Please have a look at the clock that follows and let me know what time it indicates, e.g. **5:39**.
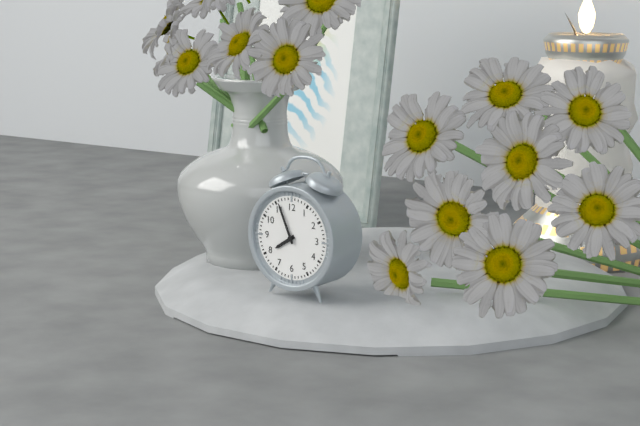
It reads **7:56**
